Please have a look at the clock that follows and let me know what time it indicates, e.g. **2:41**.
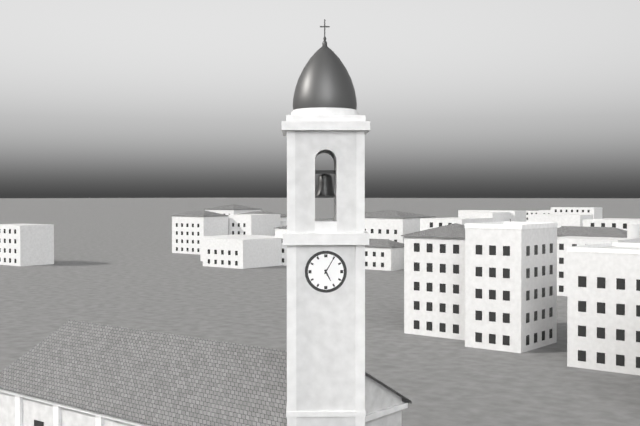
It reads **5:05**
